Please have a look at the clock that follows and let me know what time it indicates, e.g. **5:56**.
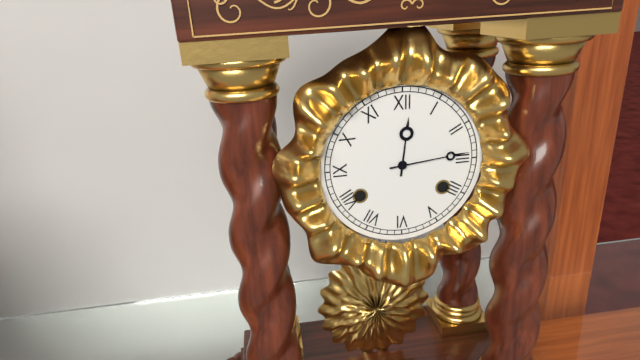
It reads **12:14**
